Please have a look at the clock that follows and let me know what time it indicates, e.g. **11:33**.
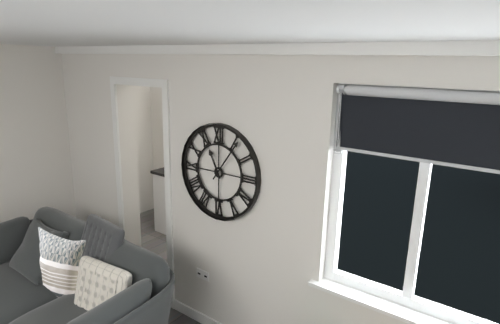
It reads **11:06**
